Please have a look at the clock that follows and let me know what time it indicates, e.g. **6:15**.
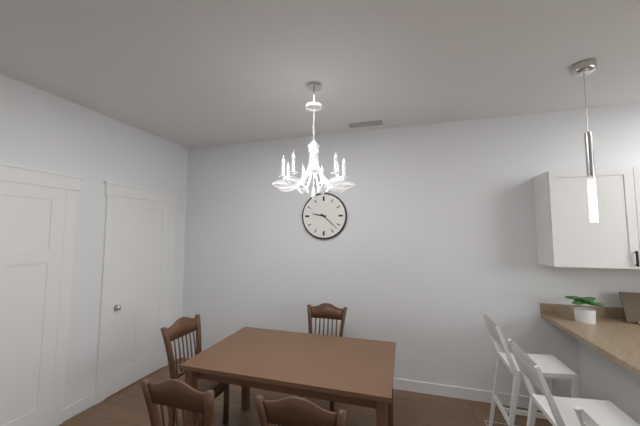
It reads **9:22**
